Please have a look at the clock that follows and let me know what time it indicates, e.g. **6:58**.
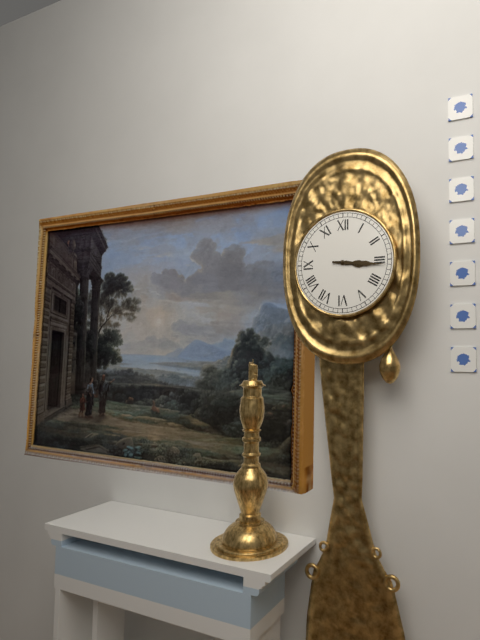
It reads **3:16**
